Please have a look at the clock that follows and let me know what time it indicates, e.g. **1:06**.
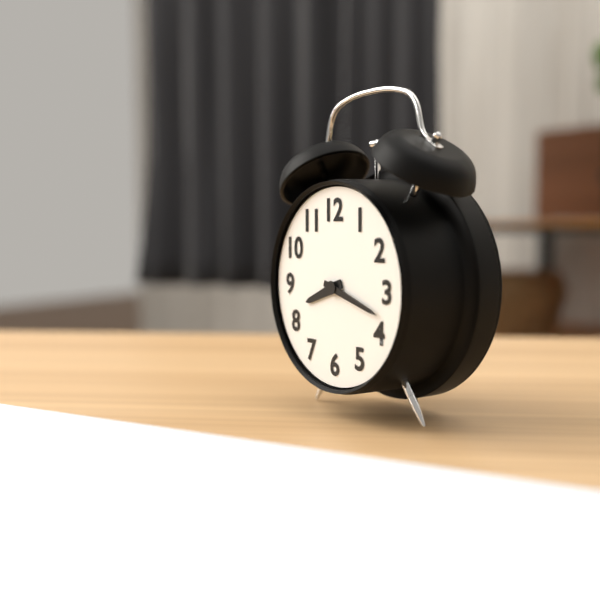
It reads **8:18**
